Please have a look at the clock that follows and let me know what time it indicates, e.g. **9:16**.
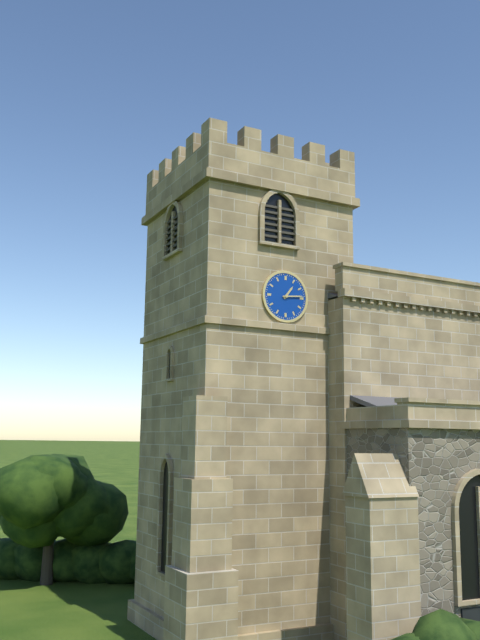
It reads **1:14**
